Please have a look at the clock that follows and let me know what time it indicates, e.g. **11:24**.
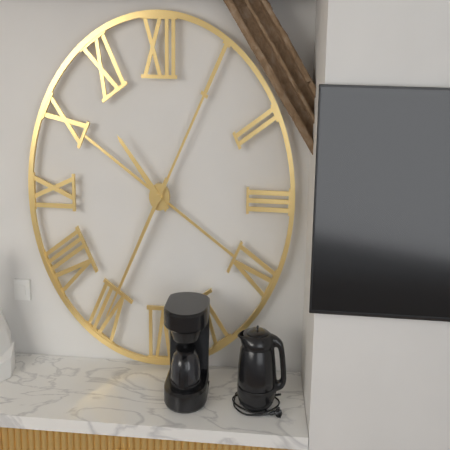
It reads **10:35**
